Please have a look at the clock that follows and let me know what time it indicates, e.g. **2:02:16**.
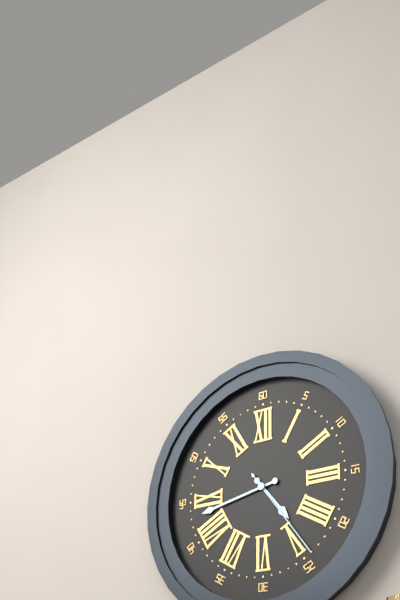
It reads **4:43:24**
